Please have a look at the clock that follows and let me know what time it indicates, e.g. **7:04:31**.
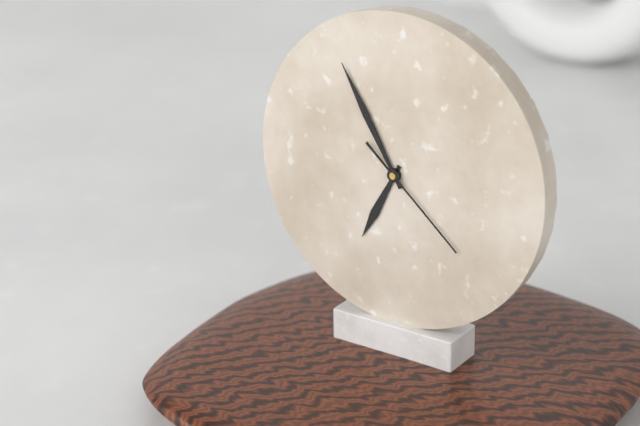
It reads **6:55:22**
